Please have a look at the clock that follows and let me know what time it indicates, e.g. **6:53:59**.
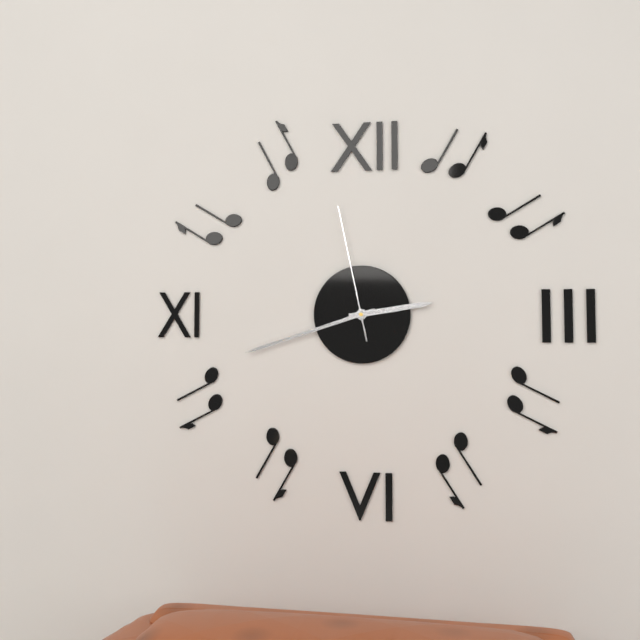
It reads **2:42:58**
